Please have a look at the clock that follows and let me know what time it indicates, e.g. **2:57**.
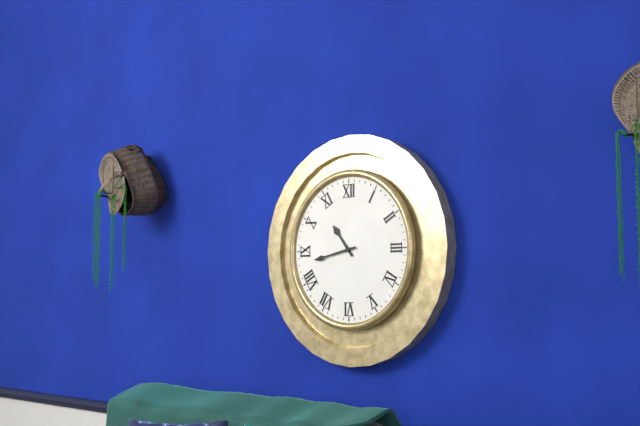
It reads **10:43**
